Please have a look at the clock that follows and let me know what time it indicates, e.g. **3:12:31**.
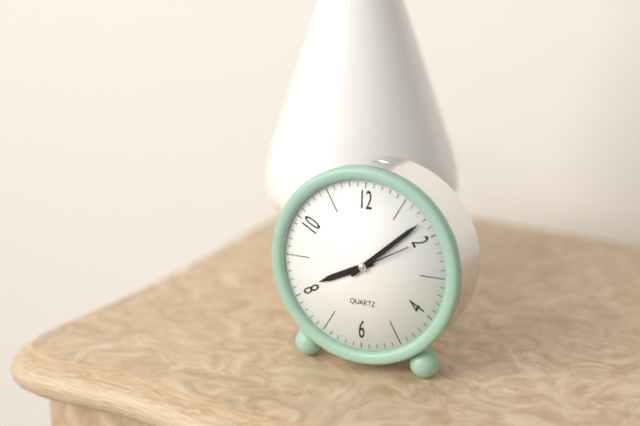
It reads **8:08:10**
